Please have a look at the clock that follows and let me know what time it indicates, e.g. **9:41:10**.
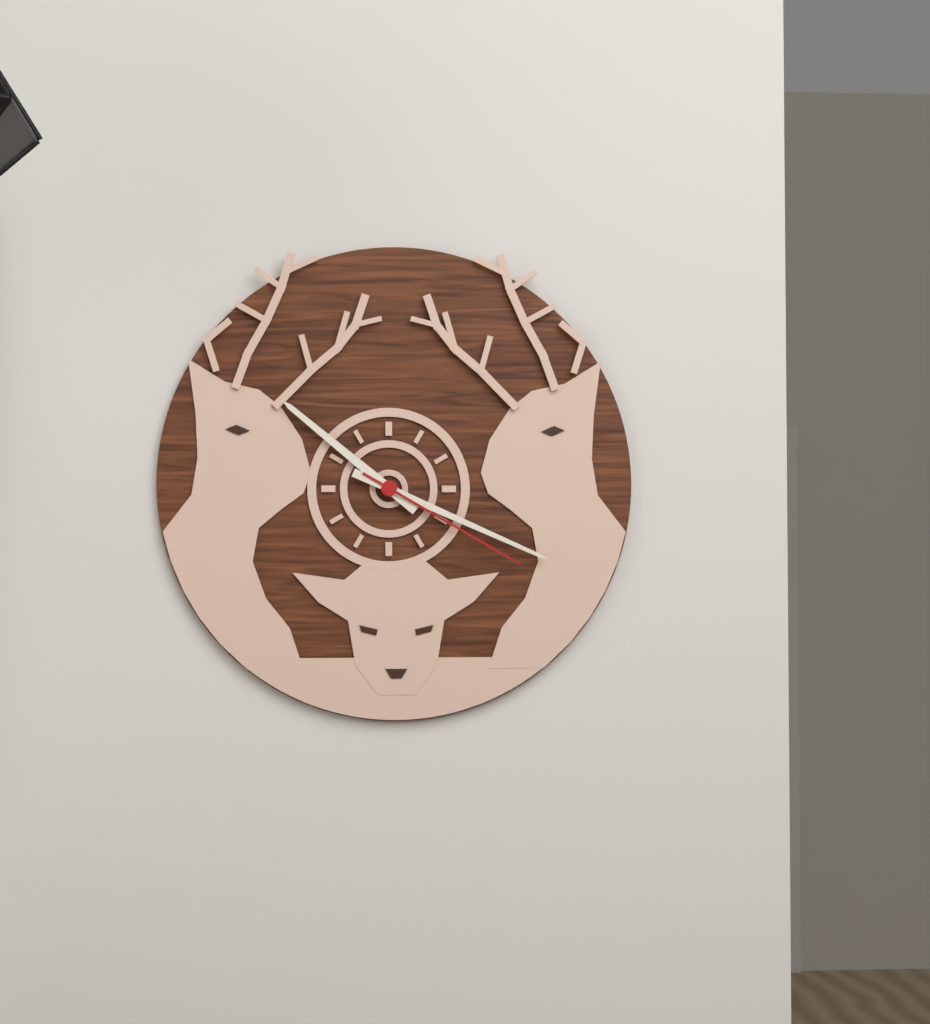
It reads **10:19:20**
